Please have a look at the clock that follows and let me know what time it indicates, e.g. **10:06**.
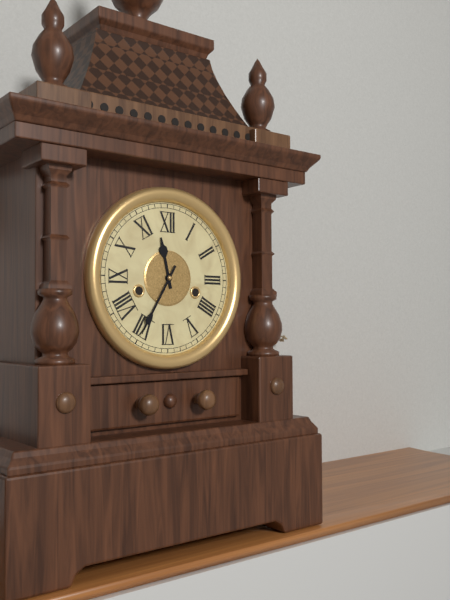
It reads **11:35**
